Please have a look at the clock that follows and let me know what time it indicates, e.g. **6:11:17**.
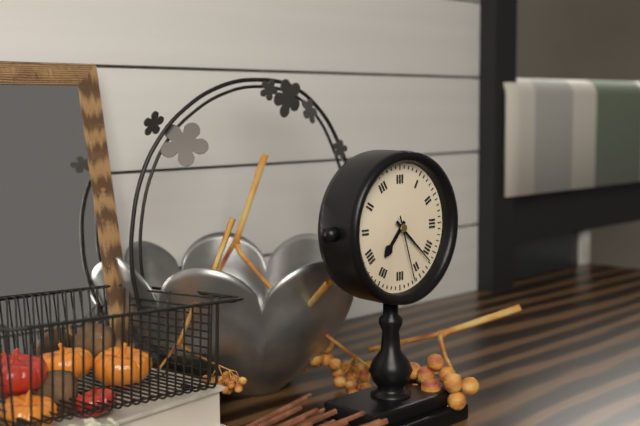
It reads **7:22:27**
